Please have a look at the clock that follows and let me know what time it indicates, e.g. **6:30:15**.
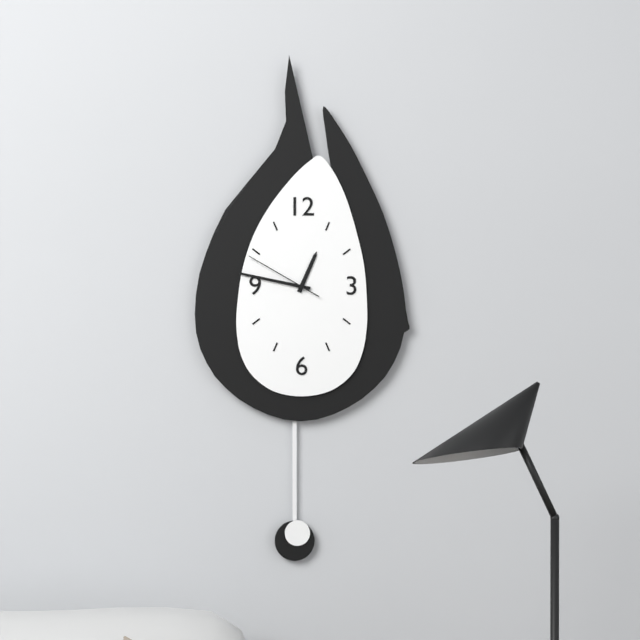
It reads **12:47:50**
